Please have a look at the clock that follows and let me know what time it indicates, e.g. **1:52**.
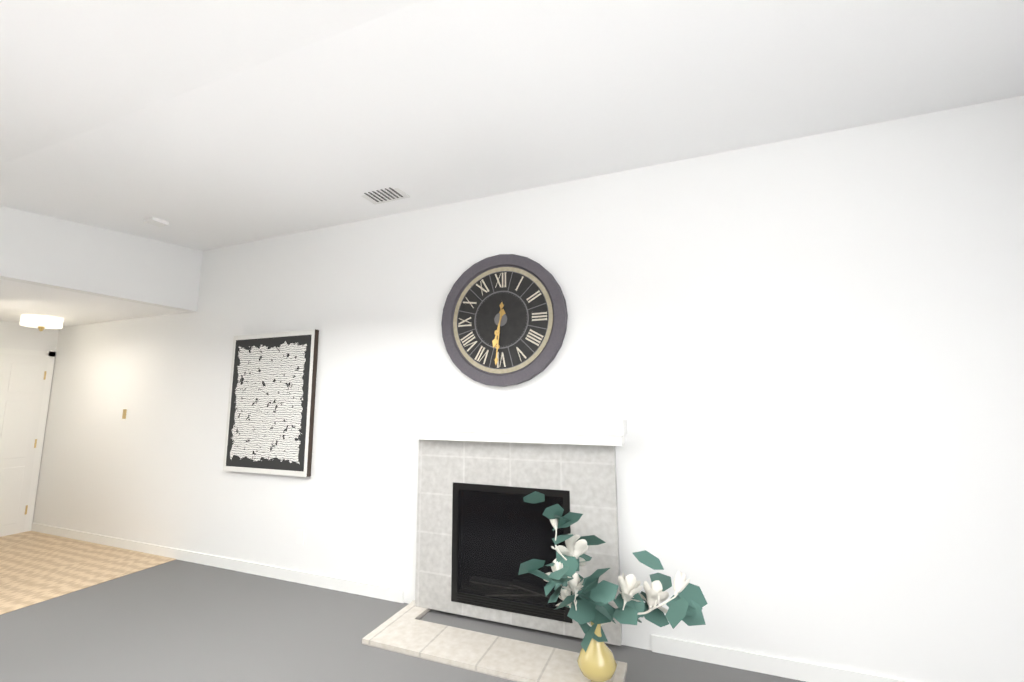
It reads **6:31**
